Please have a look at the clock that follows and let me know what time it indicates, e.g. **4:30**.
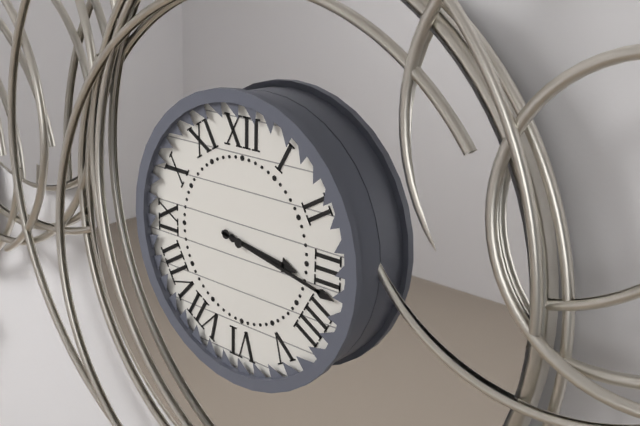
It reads **3:17**
